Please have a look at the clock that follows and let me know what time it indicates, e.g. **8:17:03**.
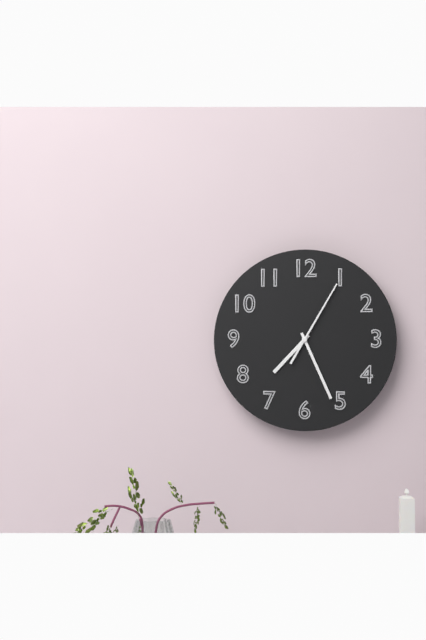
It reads **7:26:05**
